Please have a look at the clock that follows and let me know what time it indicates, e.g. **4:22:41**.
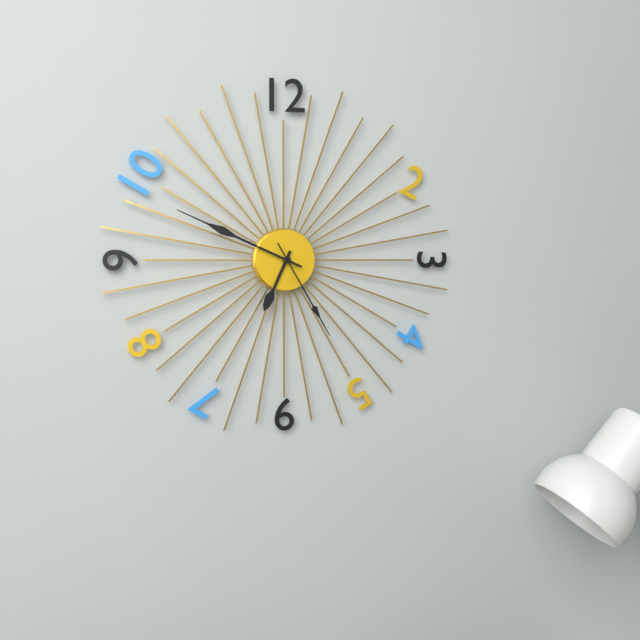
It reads **6:49:25**
